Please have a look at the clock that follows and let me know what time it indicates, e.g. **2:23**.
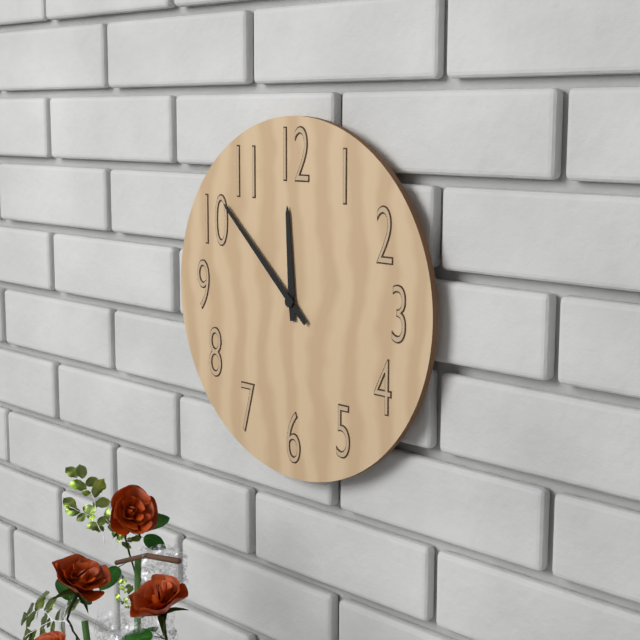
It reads **11:52**
